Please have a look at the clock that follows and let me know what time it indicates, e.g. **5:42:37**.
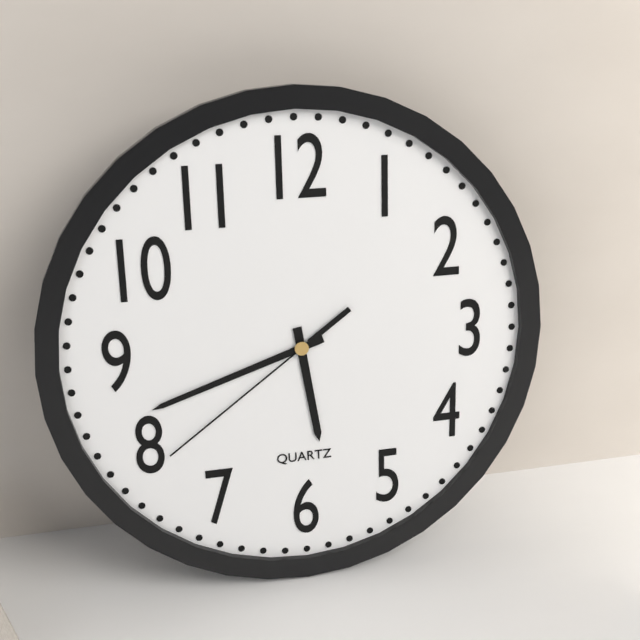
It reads **5:42:39**
